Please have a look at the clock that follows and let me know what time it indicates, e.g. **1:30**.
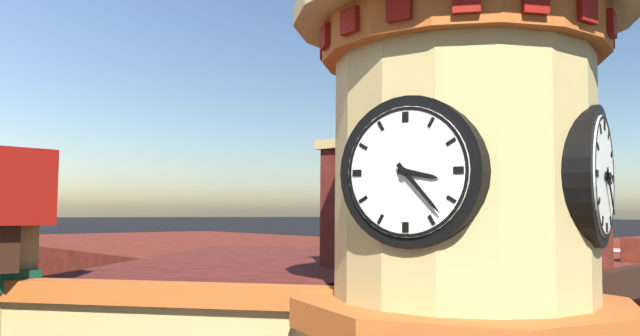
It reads **3:23**
